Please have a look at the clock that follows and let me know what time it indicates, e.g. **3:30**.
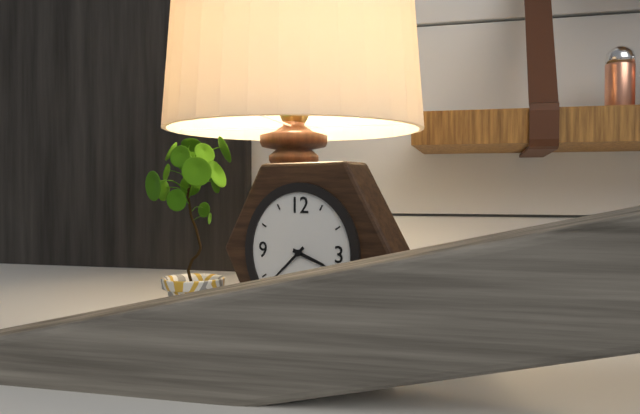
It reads **3:38**
